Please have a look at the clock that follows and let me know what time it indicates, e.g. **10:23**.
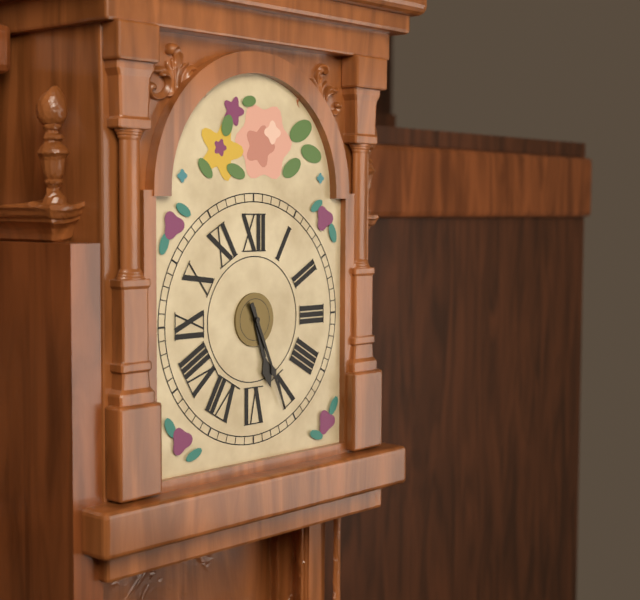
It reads **5:26**
